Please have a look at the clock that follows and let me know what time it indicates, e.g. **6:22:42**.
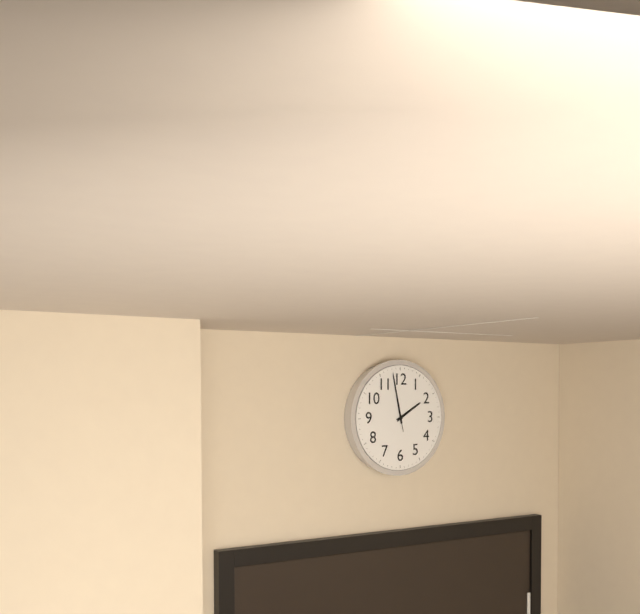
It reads **1:58:58**
